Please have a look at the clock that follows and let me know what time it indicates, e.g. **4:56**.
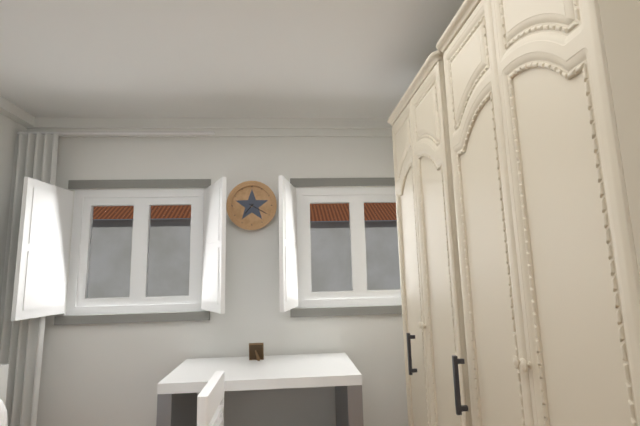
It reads **7:20**
